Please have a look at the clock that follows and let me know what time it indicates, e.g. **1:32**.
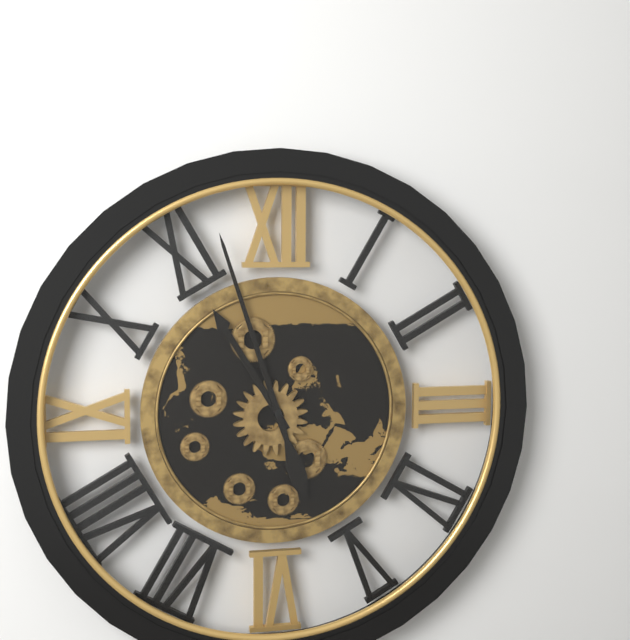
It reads **10:57**
